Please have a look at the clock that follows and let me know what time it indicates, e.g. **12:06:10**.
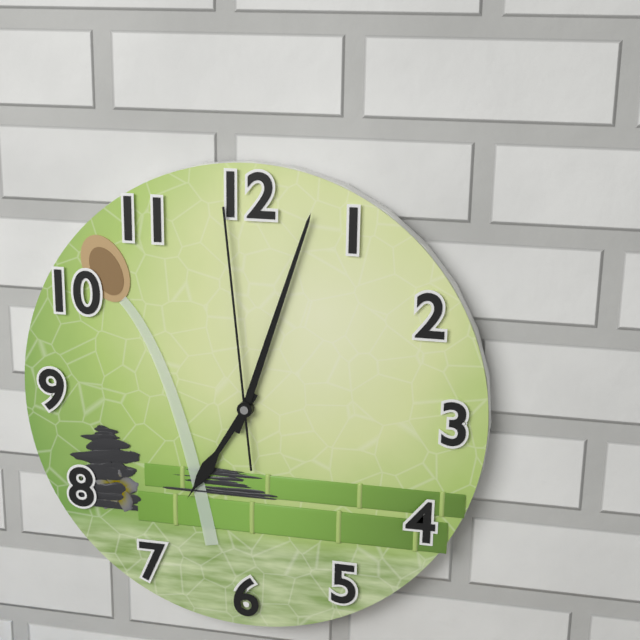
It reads **7:03:59**
